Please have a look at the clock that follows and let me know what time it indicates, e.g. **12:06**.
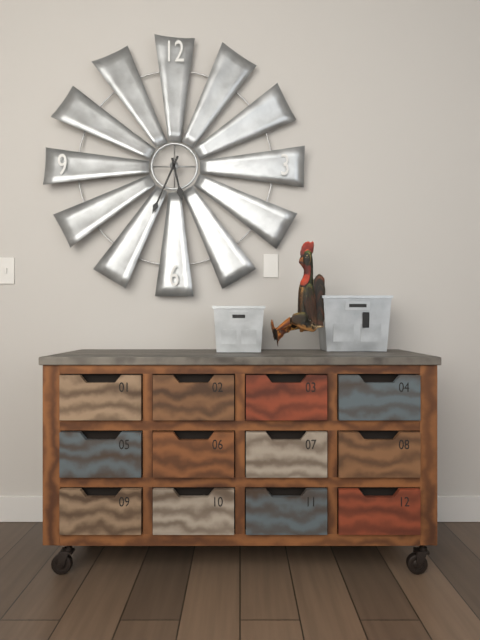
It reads **5:34**
